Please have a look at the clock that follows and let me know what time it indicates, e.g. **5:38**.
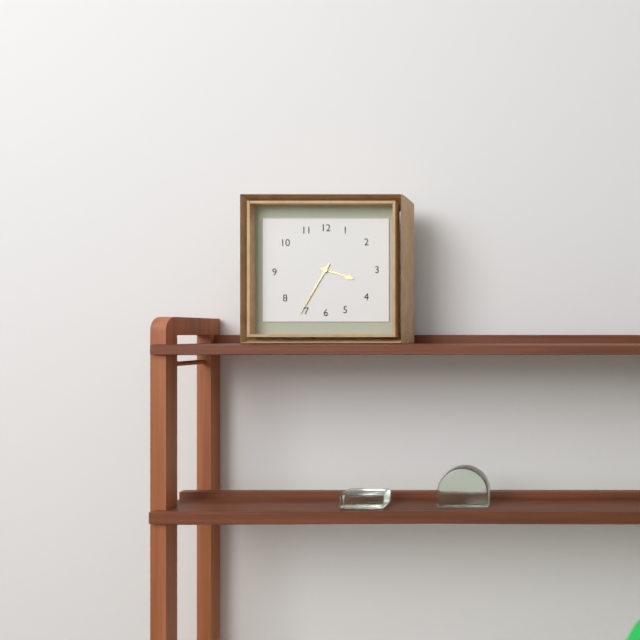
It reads **3:35**
